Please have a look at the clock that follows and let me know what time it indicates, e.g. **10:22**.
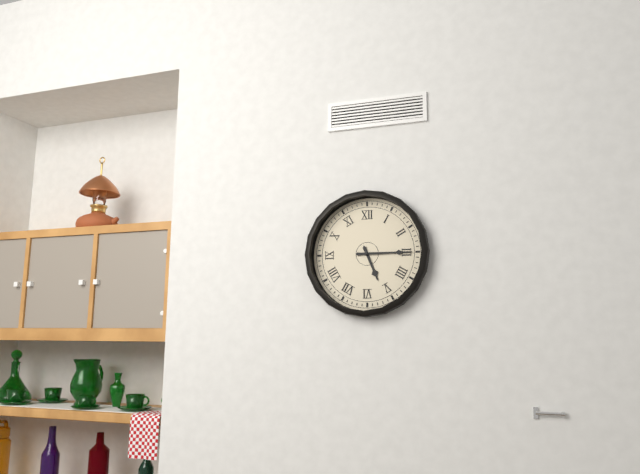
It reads **5:15**
